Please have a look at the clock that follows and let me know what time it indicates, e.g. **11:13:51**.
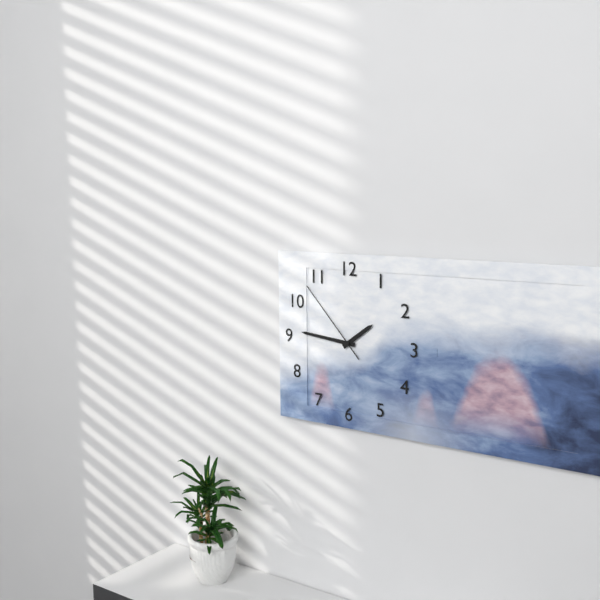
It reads **1:46:53**
